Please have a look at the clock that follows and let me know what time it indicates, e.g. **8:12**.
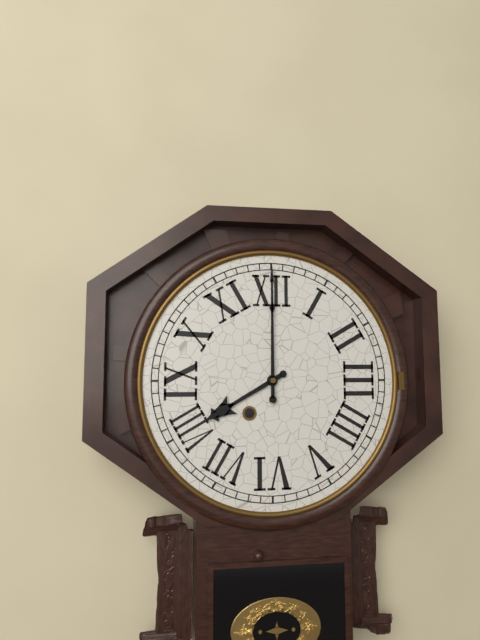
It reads **8:00**
